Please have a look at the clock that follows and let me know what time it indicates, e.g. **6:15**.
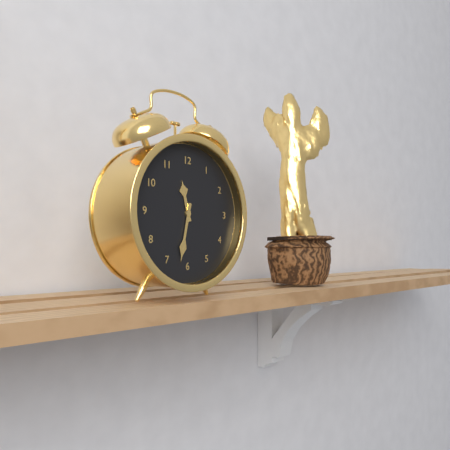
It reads **11:32**
